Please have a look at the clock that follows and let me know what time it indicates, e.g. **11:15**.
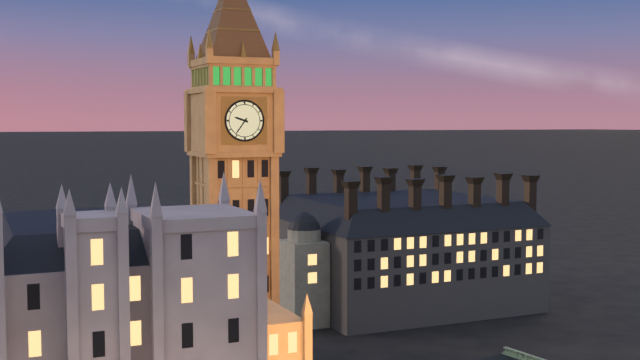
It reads **9:36**
